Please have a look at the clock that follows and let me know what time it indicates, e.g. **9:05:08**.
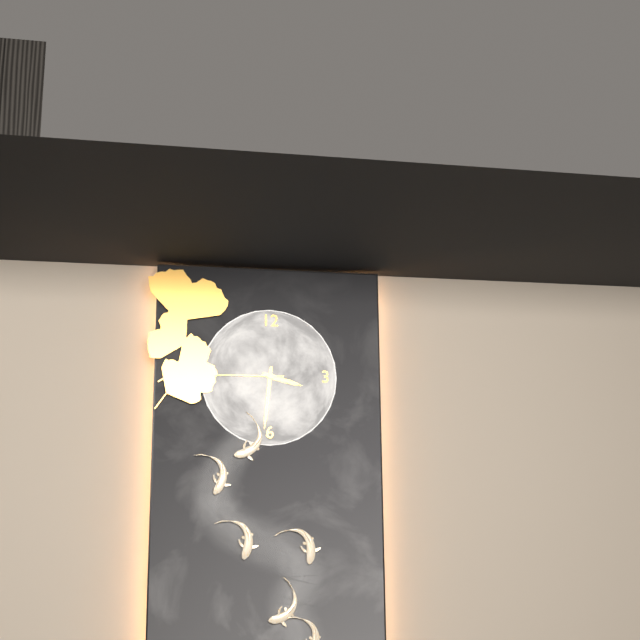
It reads **3:31:45**
